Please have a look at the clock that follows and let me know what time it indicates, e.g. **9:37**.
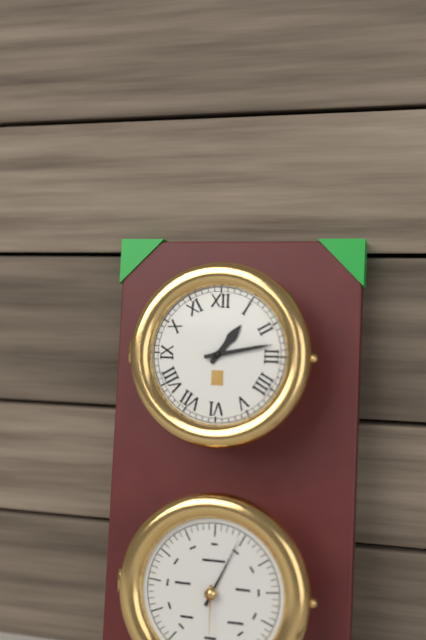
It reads **1:13**
